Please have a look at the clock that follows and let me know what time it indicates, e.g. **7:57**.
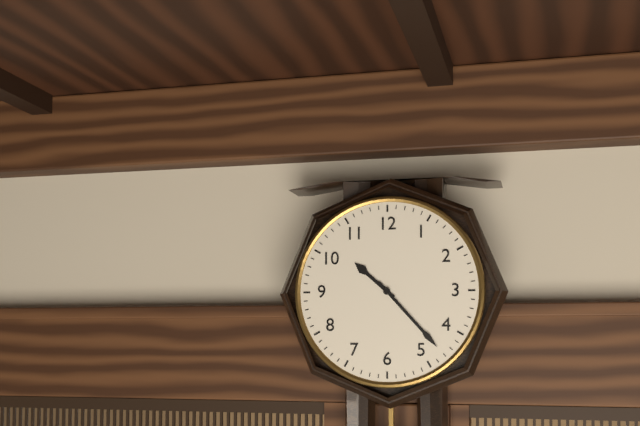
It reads **10:23**
